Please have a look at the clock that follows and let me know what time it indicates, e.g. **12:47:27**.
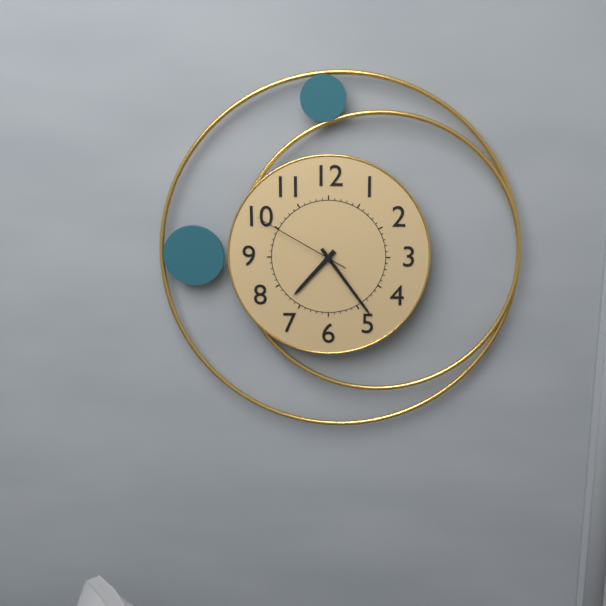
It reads **7:24:50**
